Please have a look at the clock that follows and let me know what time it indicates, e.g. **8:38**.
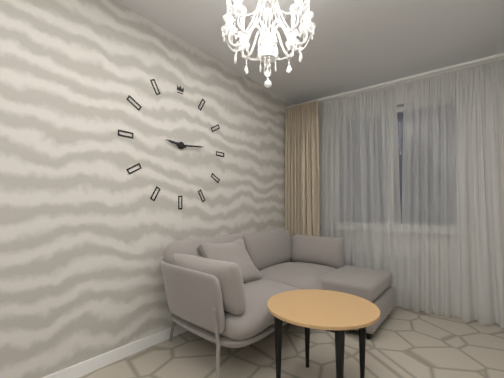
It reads **9:14**
